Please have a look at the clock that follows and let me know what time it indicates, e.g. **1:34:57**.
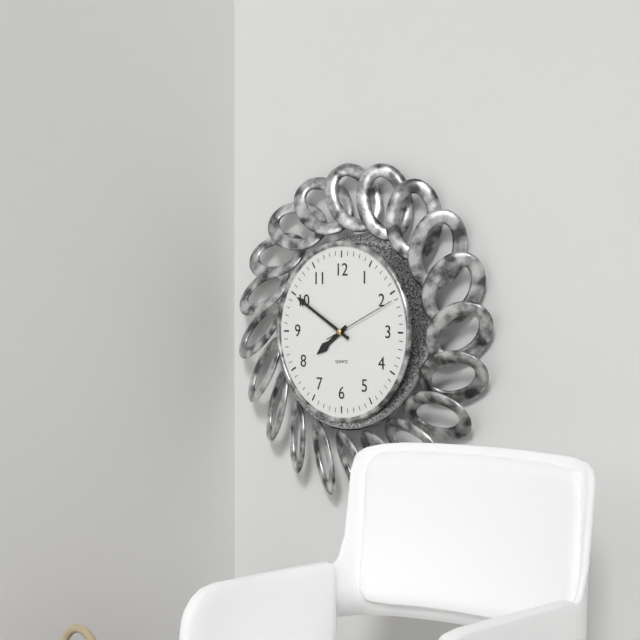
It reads **7:50:11**
